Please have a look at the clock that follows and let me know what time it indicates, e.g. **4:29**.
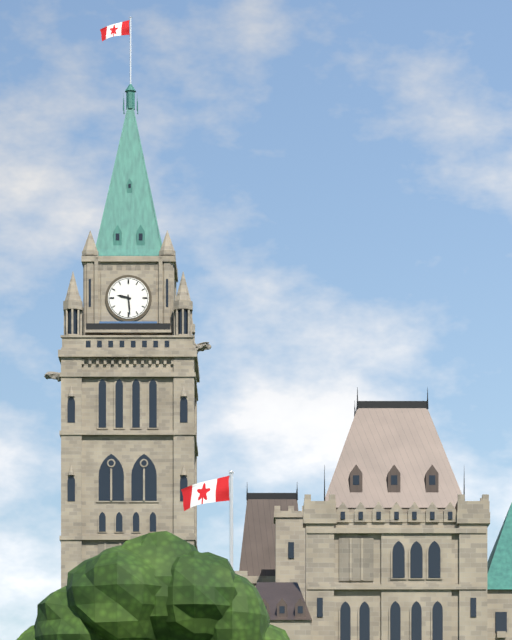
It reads **9:29**
